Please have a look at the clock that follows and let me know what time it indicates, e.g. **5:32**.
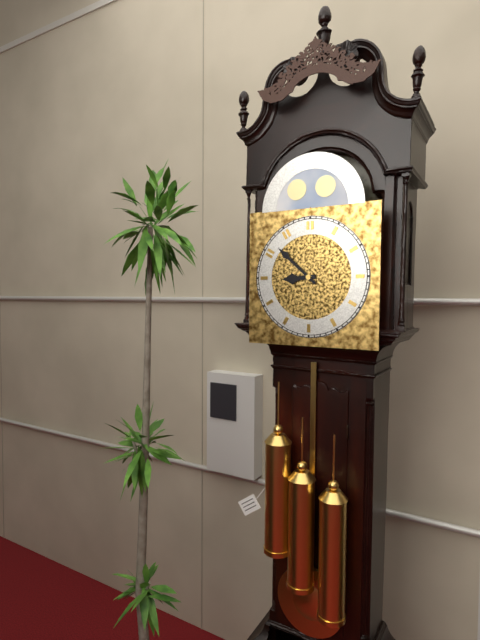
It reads **8:52**
